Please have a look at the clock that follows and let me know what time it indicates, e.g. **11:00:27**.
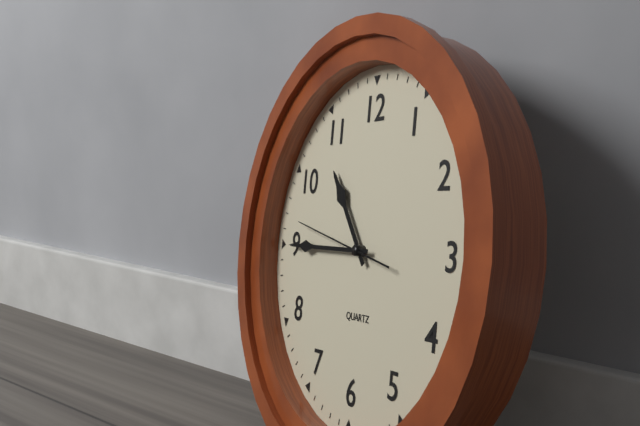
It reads **10:45:47**
